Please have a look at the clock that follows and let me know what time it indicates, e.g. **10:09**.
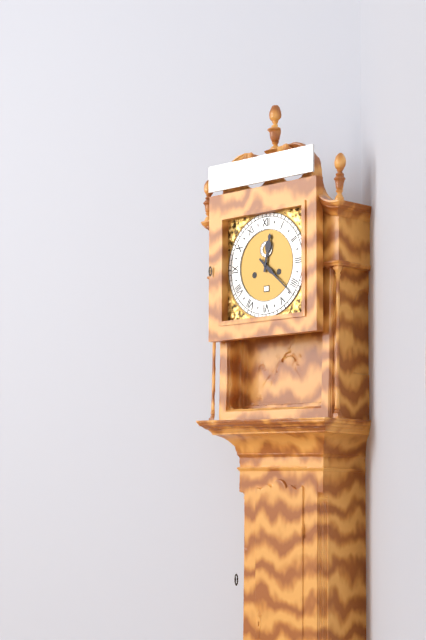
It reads **12:22**
